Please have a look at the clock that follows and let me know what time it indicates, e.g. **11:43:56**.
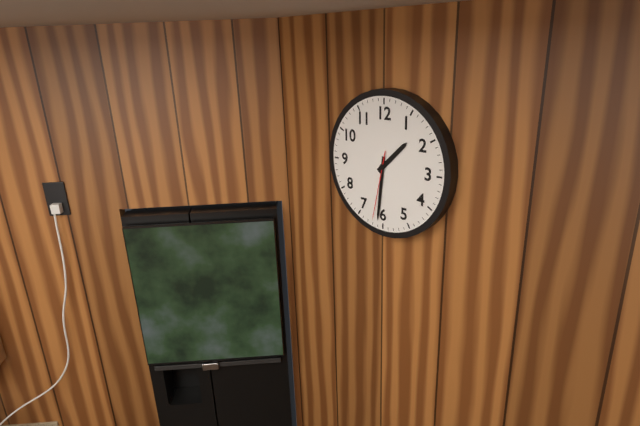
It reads **1:31:32**
